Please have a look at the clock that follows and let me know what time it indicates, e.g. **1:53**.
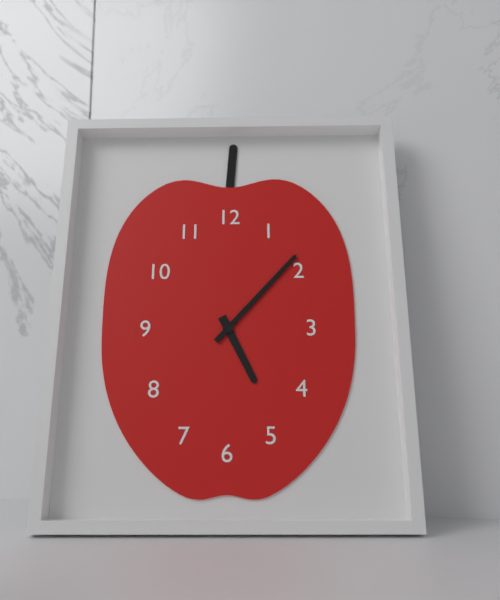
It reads **5:07**
